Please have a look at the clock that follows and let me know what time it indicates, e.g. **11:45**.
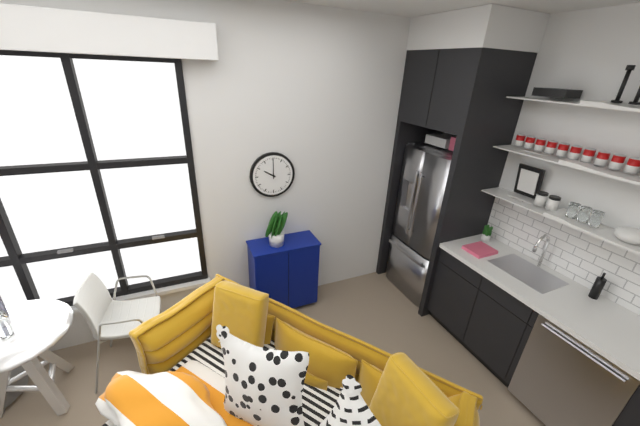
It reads **10:00**
